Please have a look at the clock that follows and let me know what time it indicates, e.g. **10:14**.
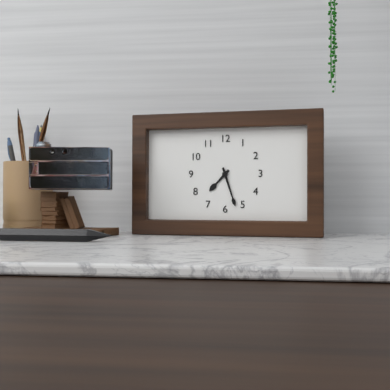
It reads **7:27**
